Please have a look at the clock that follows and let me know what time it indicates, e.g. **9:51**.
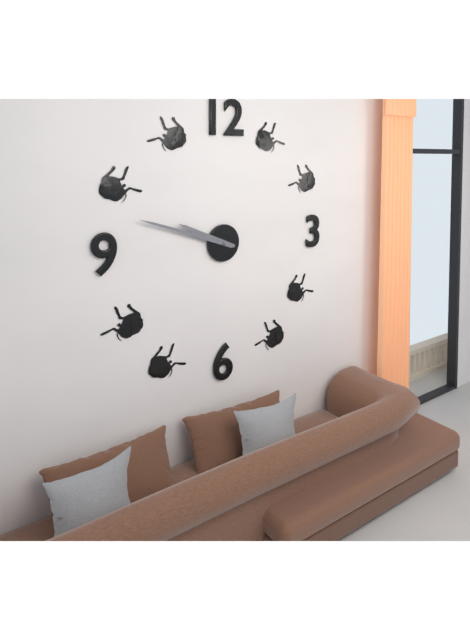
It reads **9:48**
